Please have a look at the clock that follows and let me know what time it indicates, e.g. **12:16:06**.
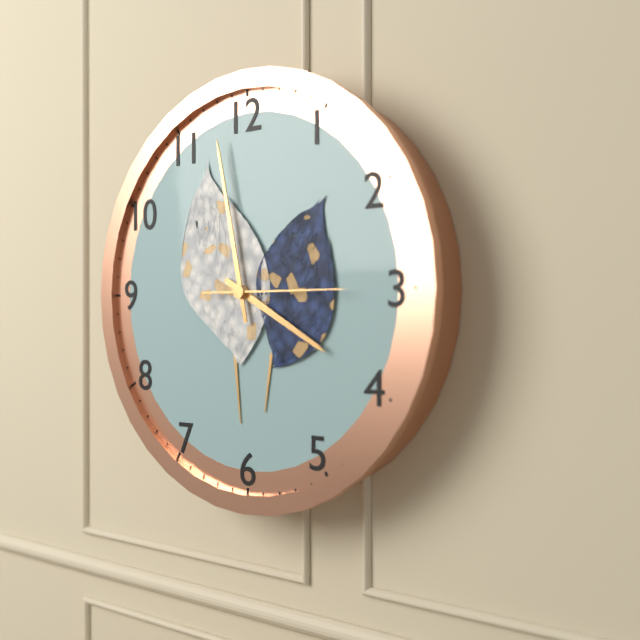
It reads **3:58:15**
